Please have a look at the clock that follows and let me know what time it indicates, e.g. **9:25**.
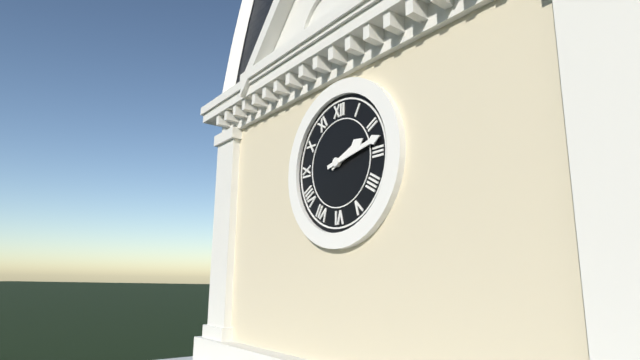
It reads **2:13**
